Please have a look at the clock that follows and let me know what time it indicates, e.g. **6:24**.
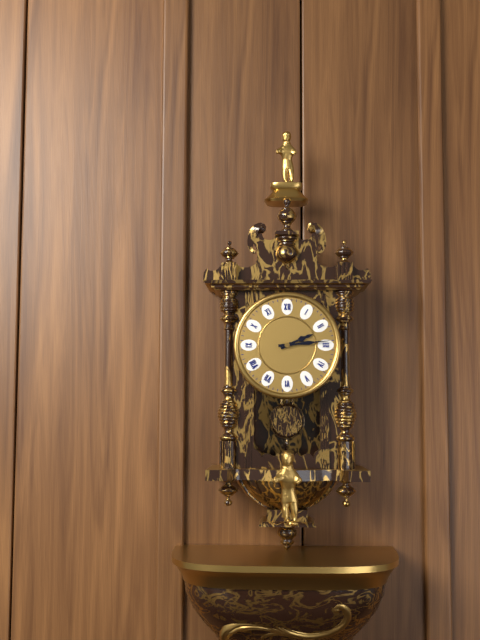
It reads **2:14**
